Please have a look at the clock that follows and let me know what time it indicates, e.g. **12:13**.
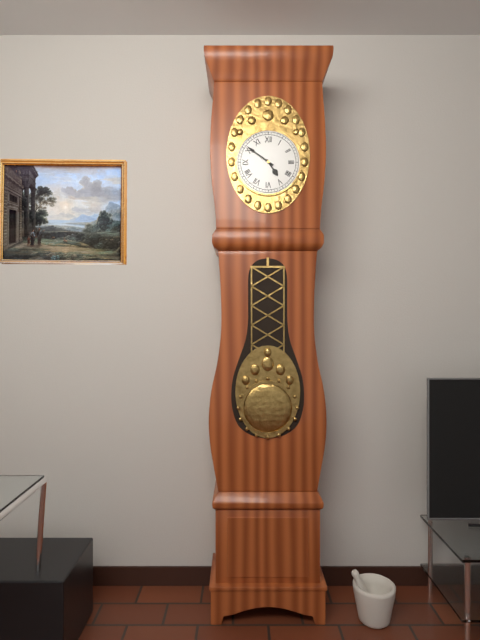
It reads **4:51**
